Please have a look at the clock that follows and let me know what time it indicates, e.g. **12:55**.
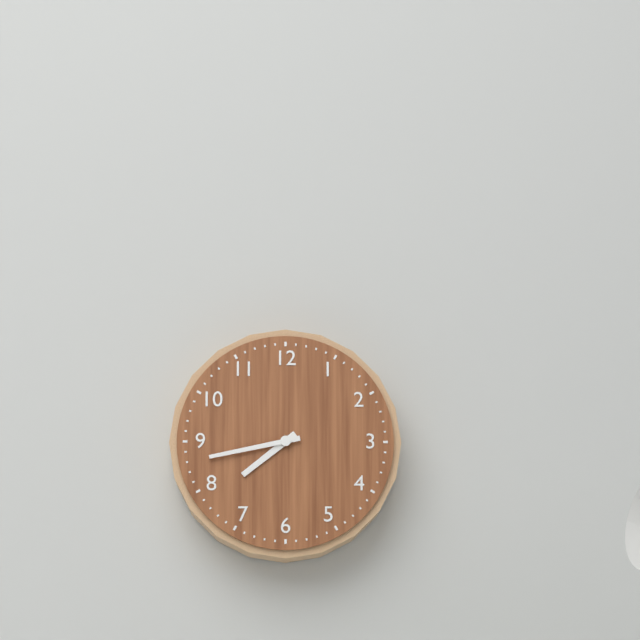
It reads **7:43**
